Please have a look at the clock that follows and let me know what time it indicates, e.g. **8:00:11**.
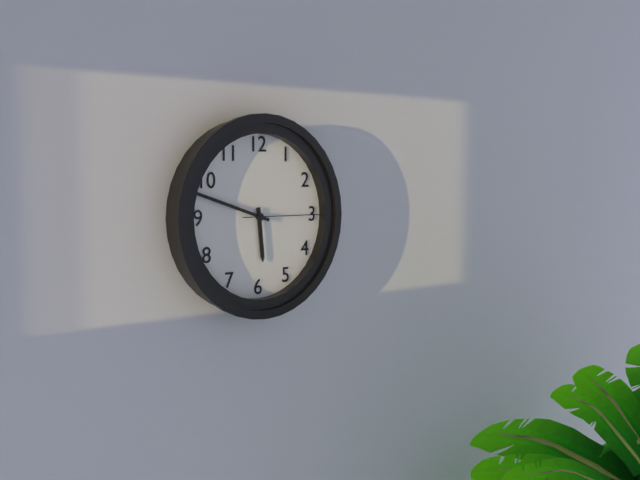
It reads **5:48:15**
